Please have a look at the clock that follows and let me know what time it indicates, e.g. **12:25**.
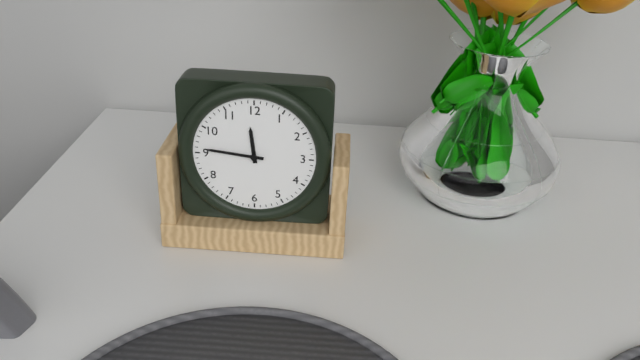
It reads **11:46**
